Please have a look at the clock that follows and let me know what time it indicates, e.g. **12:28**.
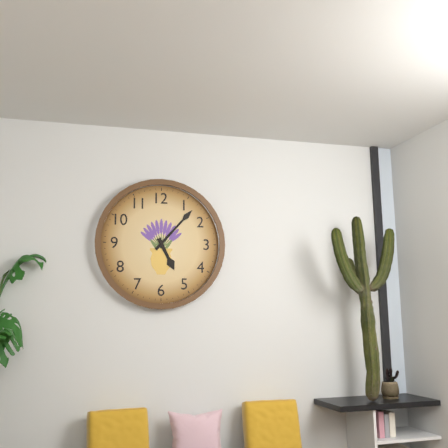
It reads **5:07**
